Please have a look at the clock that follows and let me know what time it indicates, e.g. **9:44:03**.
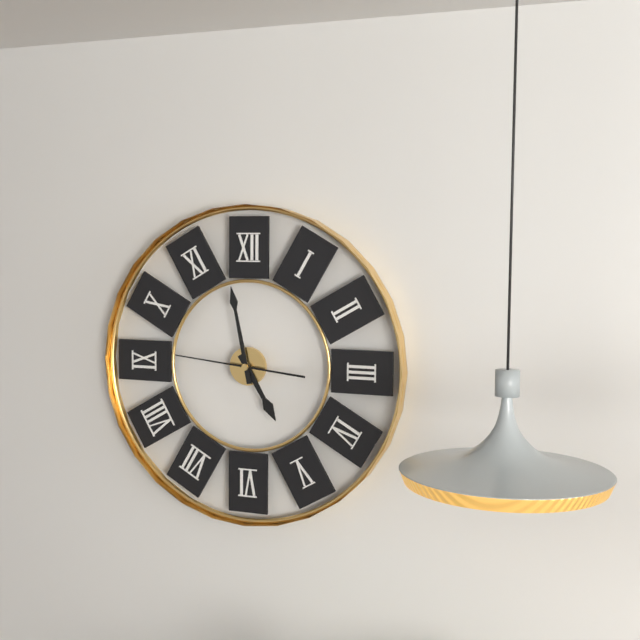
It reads **4:58:46**
